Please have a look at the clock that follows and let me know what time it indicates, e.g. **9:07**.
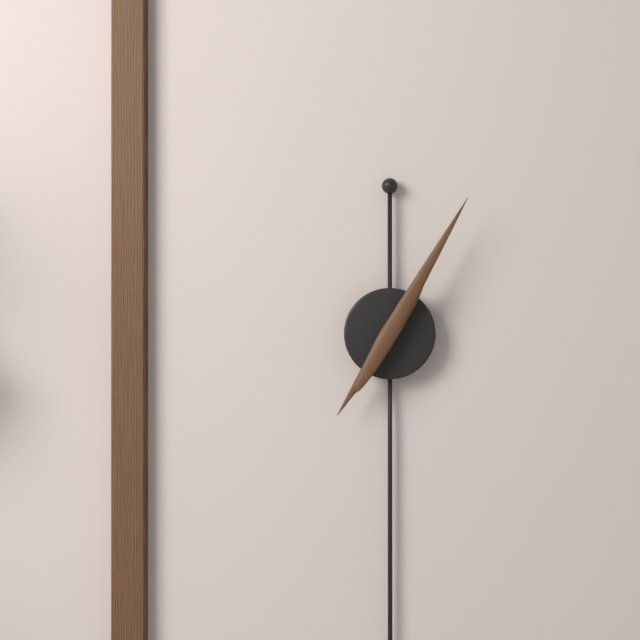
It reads **7:05**
